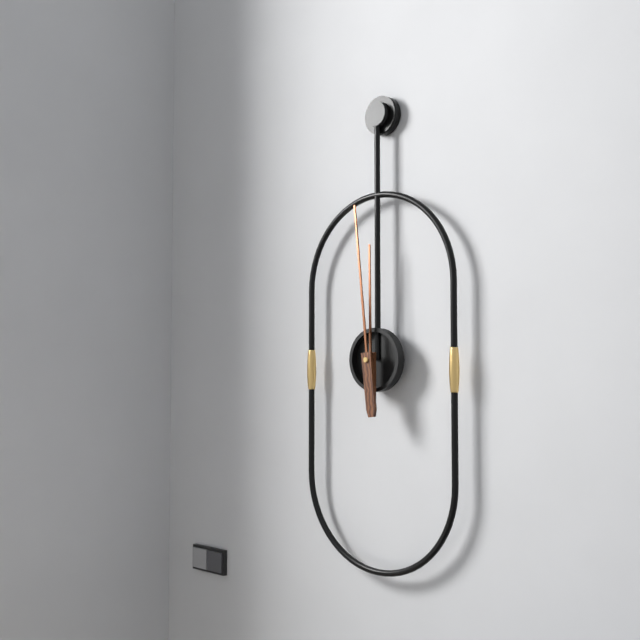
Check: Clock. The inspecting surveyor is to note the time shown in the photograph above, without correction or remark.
11:59
